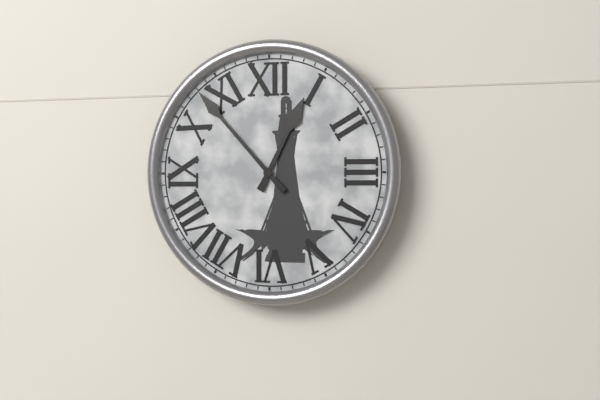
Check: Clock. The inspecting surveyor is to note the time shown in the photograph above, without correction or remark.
12:53
